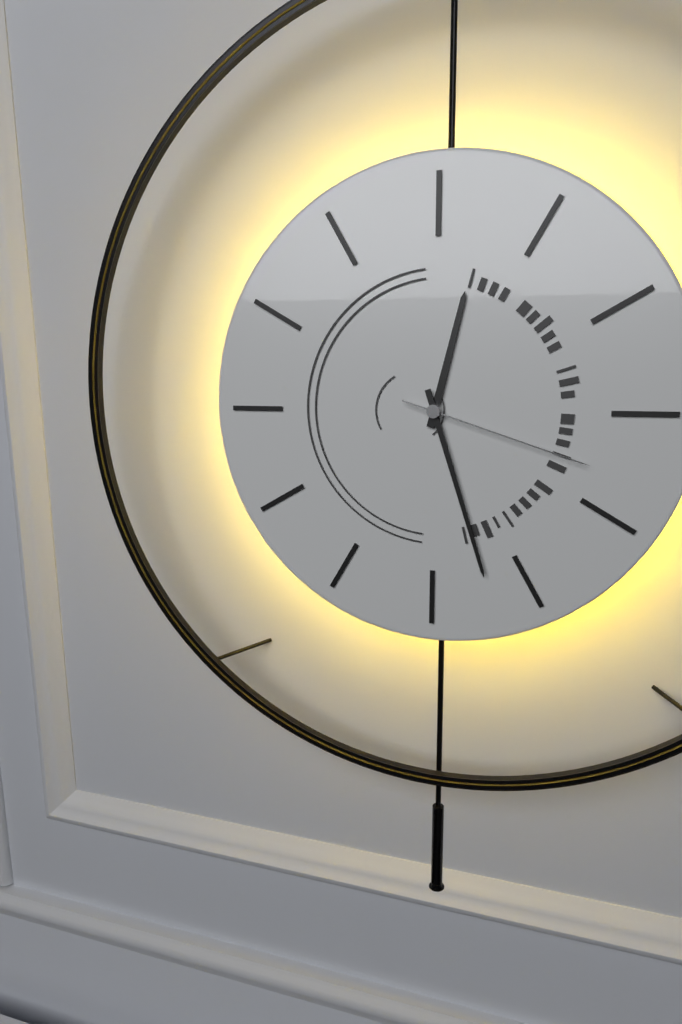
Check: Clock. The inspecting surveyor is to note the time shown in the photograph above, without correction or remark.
12:27:18
